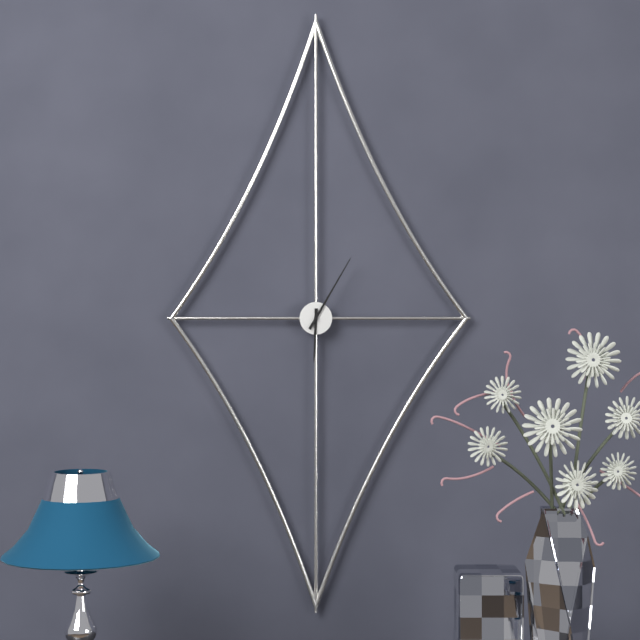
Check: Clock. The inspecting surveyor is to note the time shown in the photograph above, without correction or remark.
6:05
